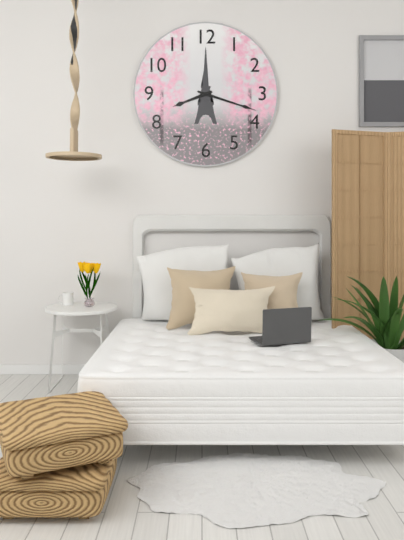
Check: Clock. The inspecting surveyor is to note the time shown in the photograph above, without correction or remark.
8:18
